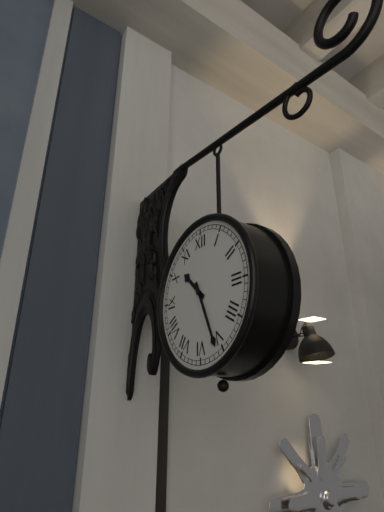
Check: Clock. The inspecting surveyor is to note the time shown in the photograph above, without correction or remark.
10:26
